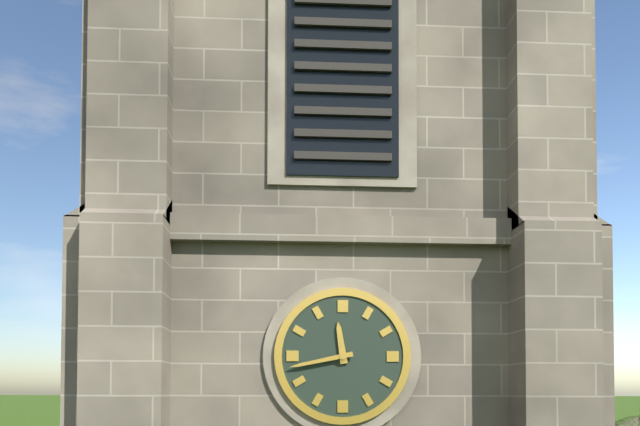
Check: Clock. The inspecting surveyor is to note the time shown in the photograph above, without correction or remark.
11:43
